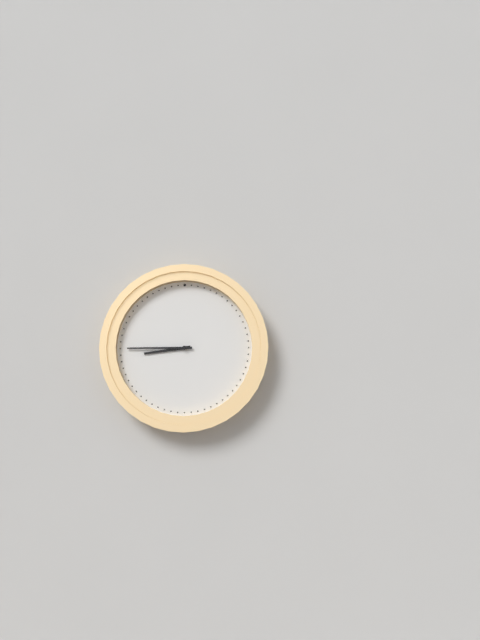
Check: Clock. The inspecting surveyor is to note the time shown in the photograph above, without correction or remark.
8:45
